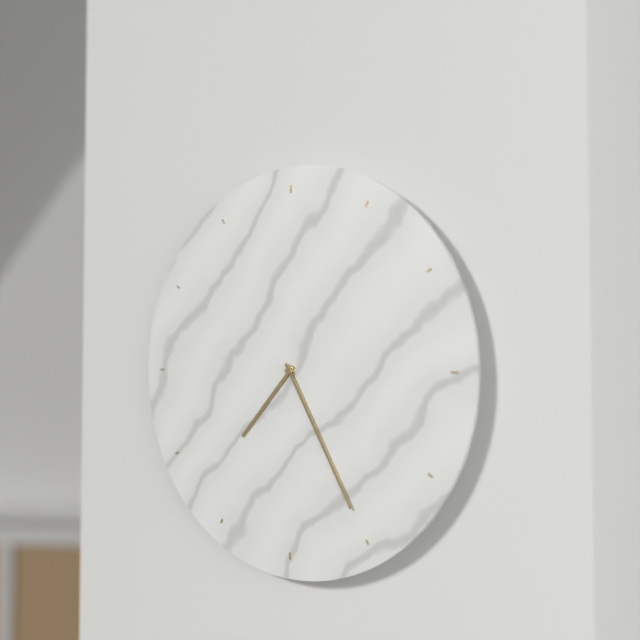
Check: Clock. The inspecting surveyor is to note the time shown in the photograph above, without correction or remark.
7:25
